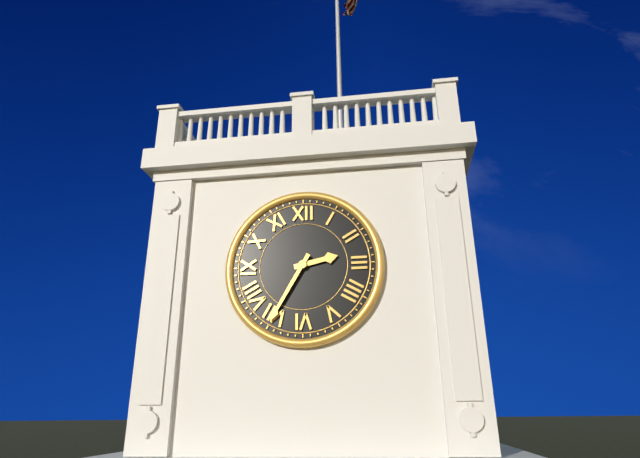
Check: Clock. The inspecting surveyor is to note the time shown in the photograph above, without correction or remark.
2:35
